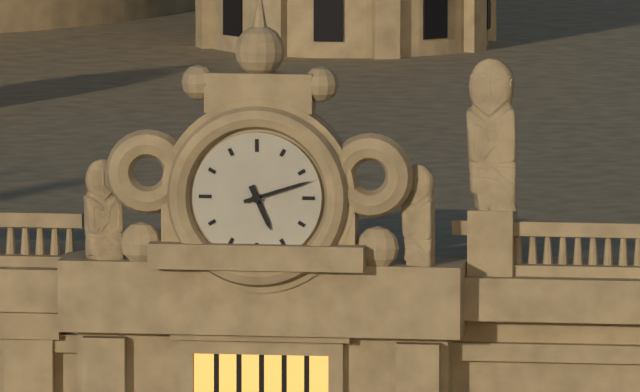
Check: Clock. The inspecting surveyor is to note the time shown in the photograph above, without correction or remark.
5:12
